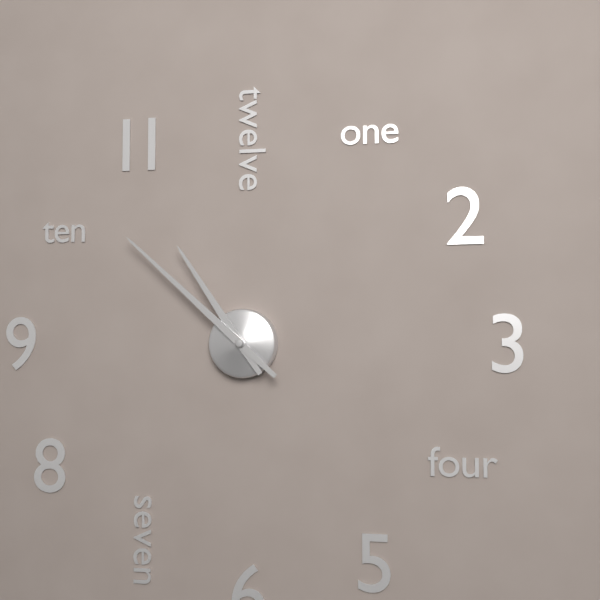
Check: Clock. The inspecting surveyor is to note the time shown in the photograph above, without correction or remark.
10:52
